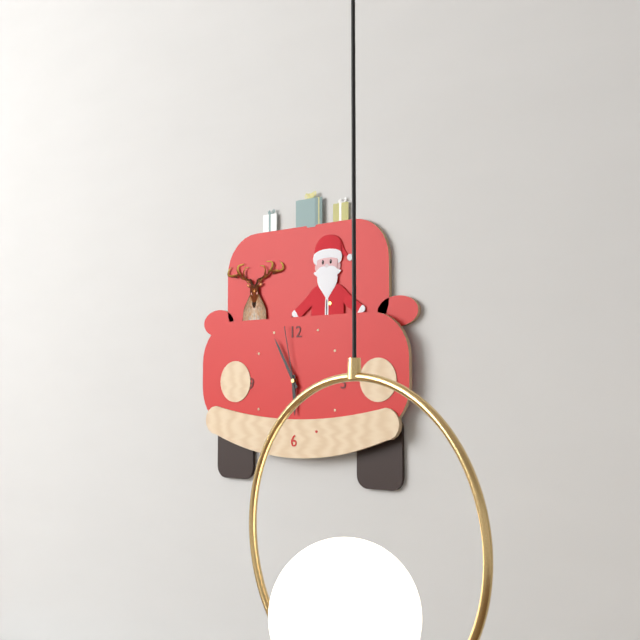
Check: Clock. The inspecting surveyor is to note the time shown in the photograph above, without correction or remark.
5:55:58
